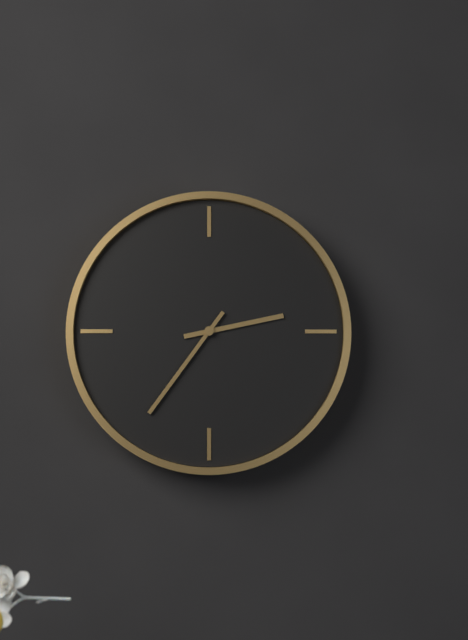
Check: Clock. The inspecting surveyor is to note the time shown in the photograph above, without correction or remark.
2:36
